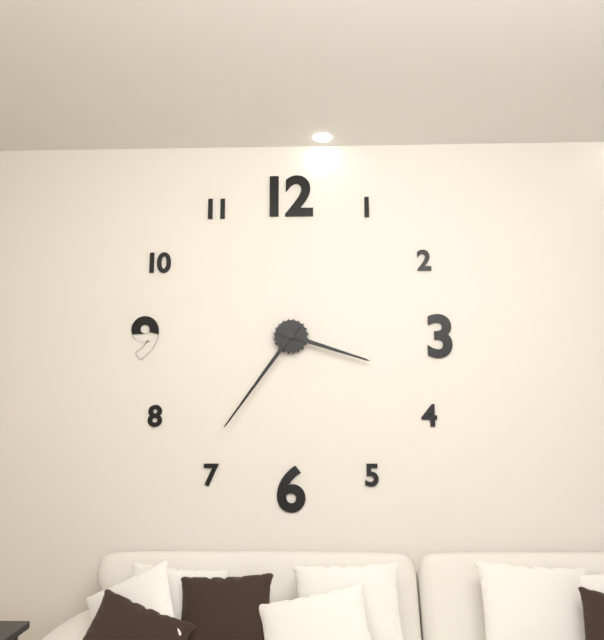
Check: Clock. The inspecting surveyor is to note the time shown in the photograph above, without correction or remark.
3:36
